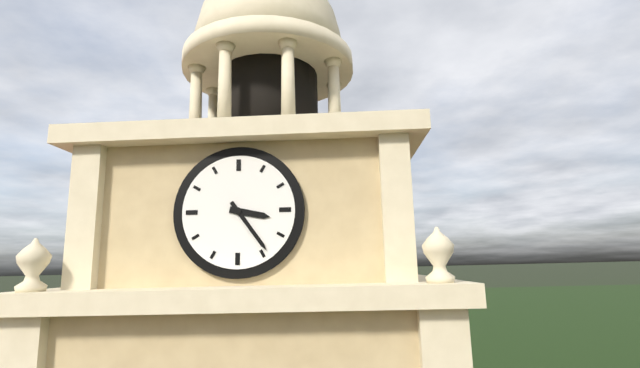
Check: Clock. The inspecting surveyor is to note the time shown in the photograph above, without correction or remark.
3:24
